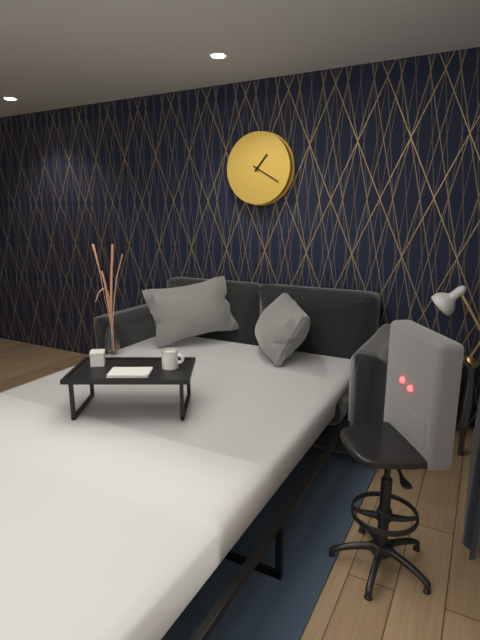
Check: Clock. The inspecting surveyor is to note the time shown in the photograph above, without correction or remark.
1:20
